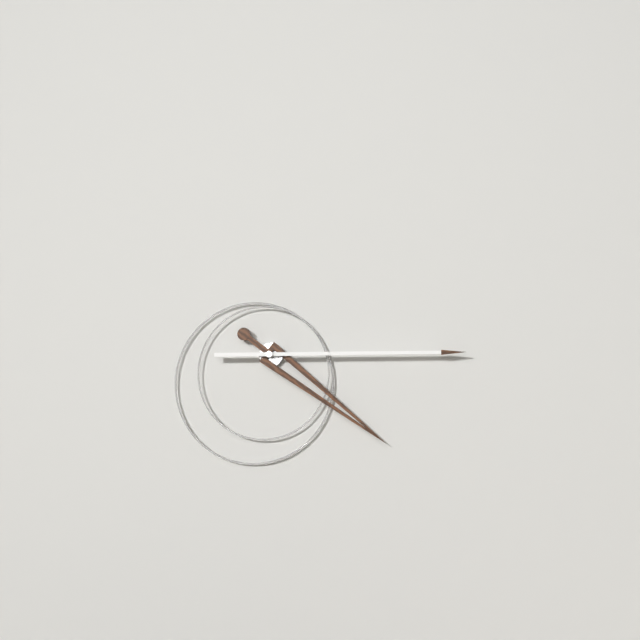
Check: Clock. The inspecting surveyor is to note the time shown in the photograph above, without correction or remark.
4:15
